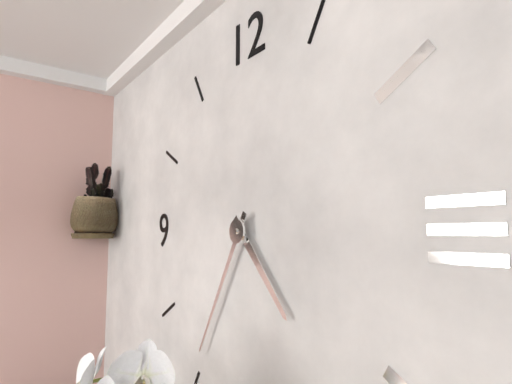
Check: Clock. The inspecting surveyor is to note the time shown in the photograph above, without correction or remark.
4:35
